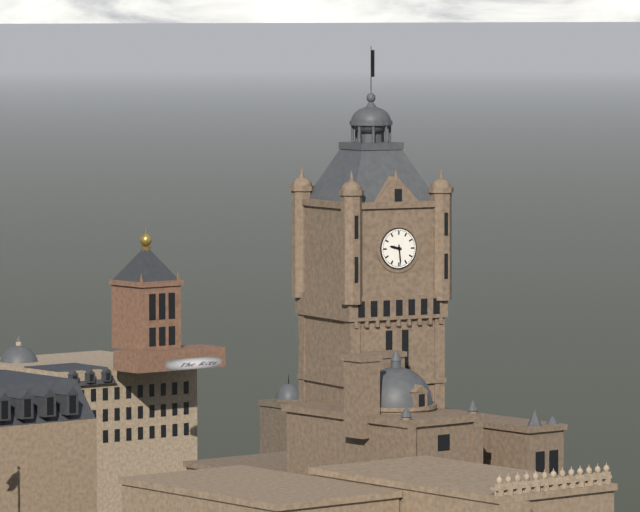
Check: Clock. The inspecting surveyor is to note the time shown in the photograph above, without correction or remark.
9:29
